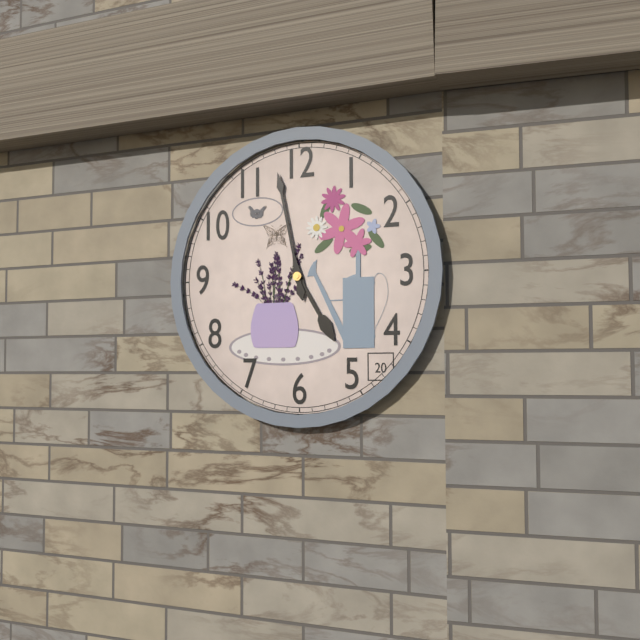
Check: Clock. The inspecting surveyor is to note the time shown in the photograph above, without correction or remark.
4:58
